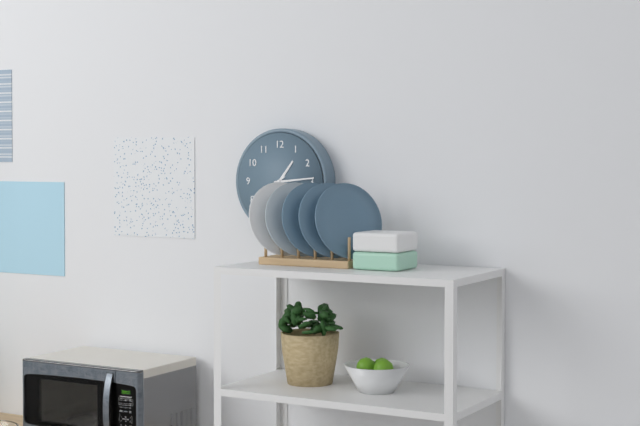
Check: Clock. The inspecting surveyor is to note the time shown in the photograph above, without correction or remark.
1:14
